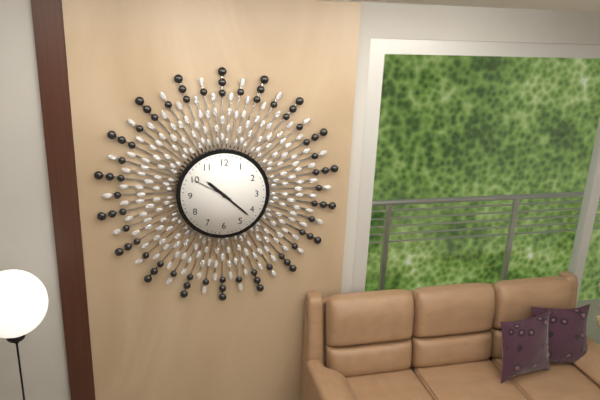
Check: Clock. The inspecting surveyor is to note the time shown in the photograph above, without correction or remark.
10:22
